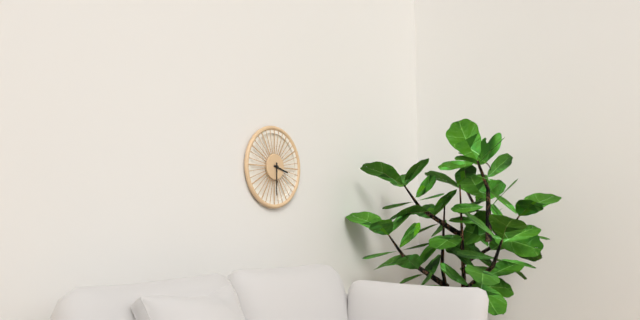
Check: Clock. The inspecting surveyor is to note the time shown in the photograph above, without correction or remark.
3:30
